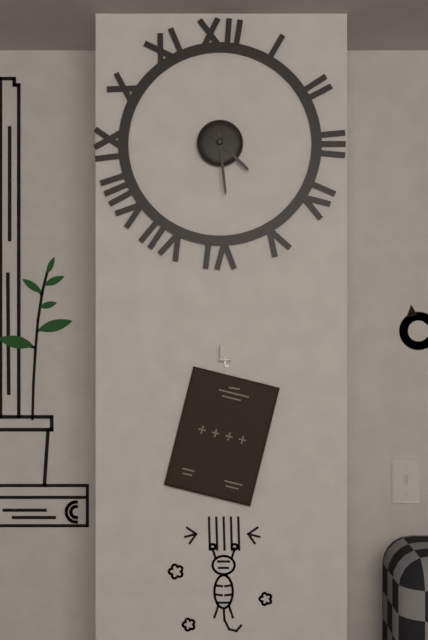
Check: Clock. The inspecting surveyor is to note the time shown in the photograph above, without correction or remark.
4:29
